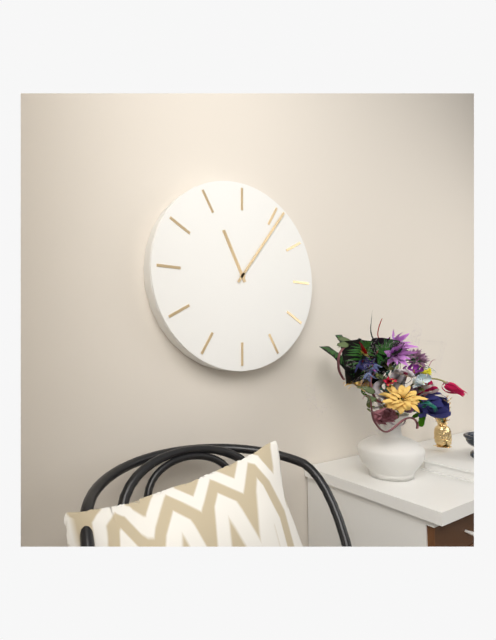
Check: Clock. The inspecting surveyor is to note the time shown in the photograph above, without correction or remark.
11:06
